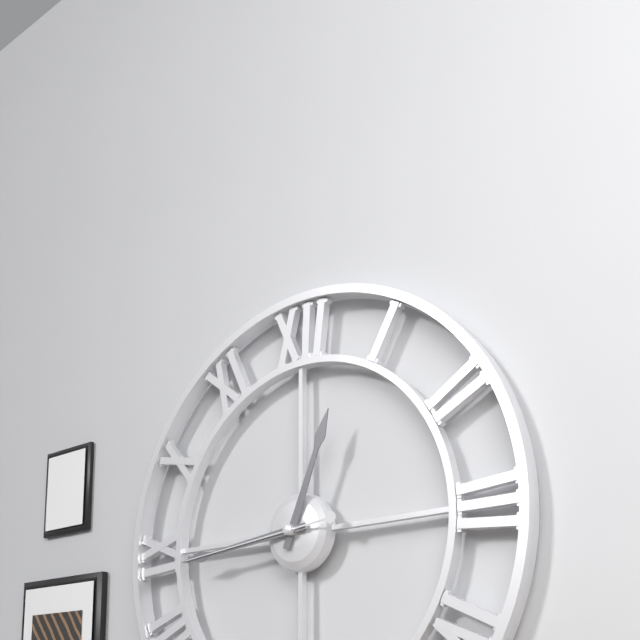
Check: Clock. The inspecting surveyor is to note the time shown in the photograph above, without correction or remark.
12:44:44
